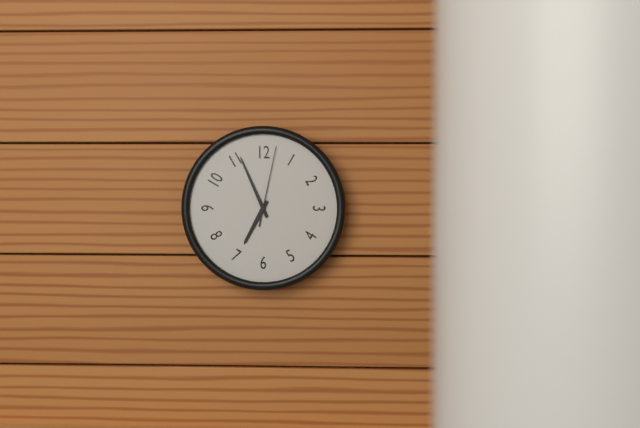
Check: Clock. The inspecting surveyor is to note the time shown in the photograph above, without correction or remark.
6:56:02
